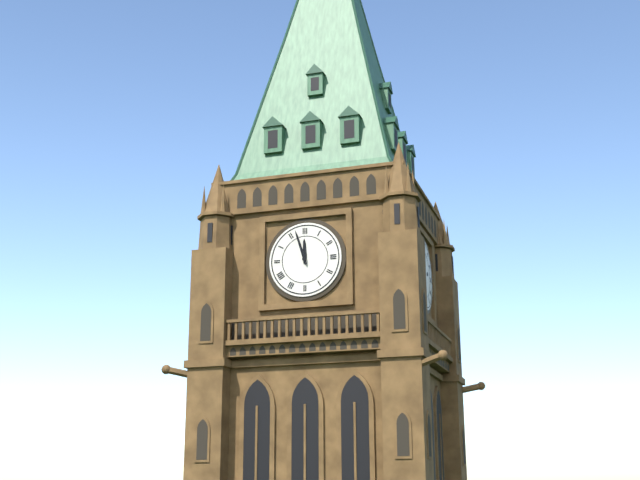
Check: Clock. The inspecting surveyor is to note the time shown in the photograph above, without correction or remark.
11:57
